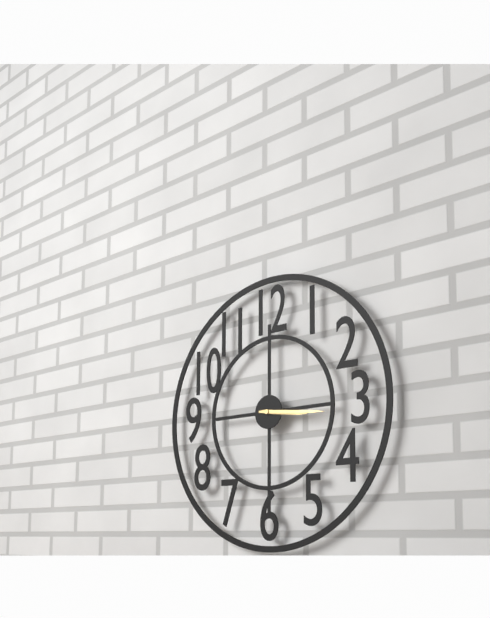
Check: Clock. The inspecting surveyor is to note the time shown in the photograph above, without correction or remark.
3:16
